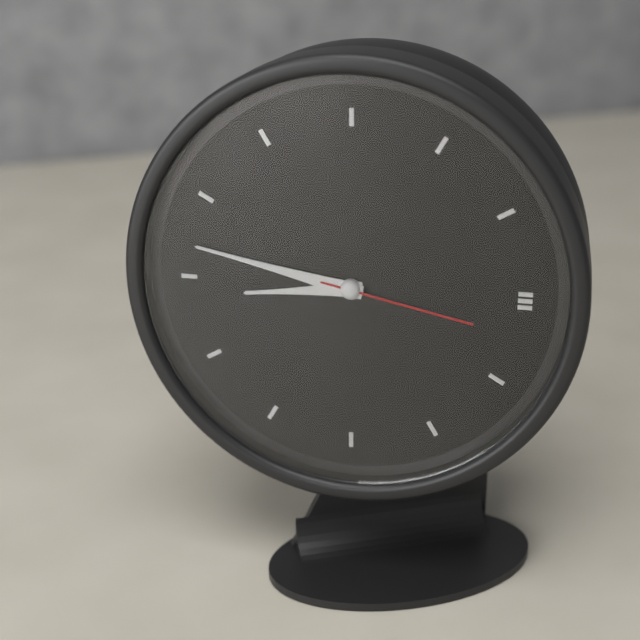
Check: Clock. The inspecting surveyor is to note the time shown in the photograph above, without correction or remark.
8:47:17
